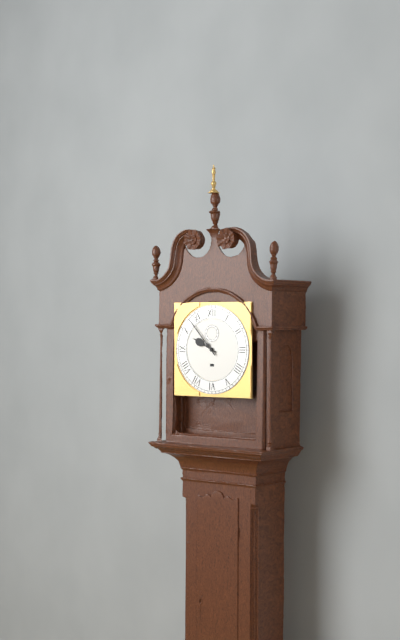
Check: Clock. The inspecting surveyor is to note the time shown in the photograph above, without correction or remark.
9:53
